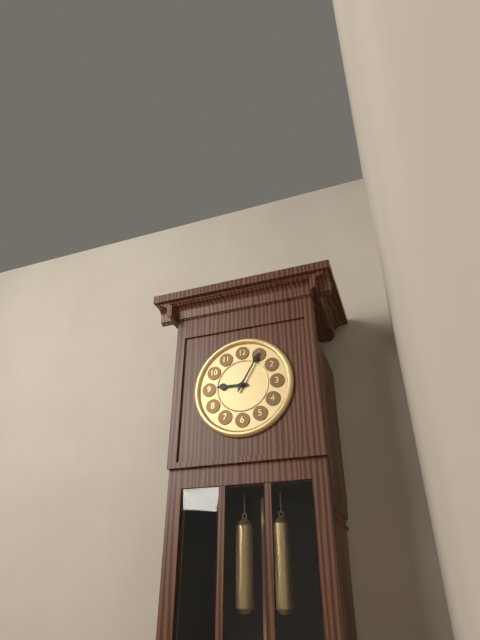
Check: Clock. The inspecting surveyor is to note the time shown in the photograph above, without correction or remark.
9:05
